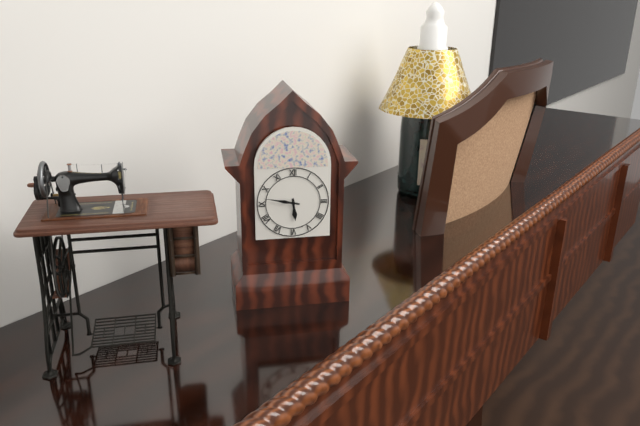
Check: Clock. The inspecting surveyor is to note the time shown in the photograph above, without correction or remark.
5:47
